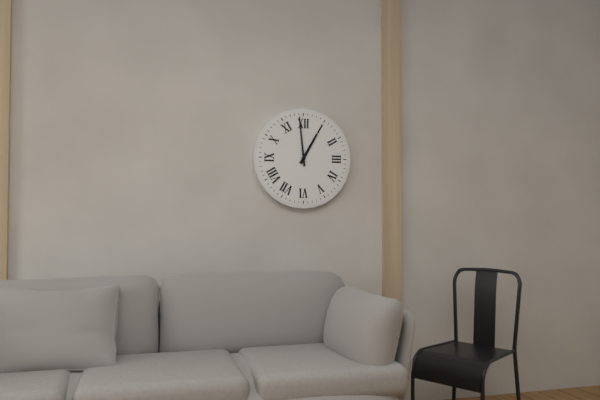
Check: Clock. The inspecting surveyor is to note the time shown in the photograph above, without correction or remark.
12:59
